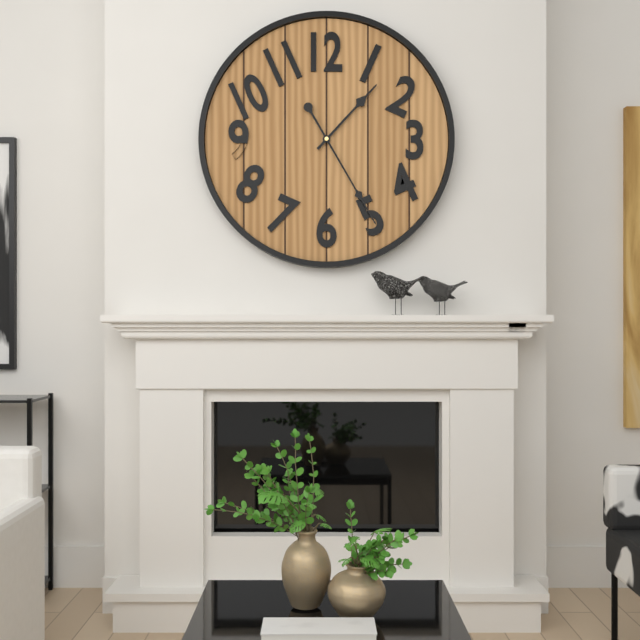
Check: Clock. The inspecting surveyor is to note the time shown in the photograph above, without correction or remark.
1:25
